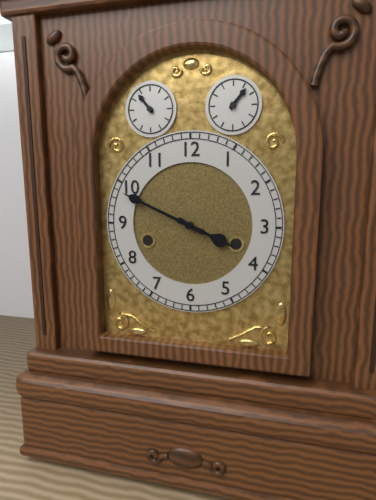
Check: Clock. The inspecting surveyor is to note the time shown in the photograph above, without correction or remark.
3:49
